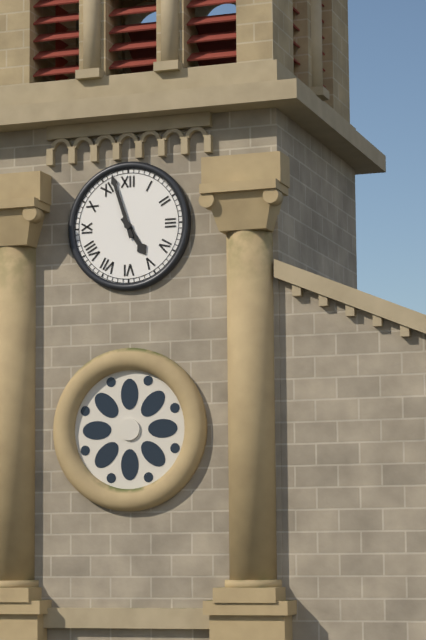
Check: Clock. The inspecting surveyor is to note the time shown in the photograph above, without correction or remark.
4:57
